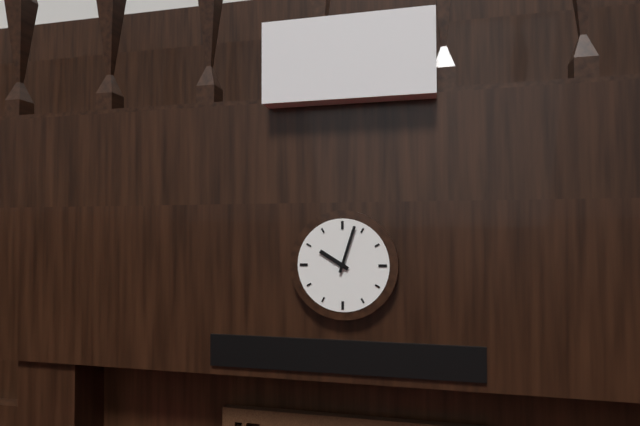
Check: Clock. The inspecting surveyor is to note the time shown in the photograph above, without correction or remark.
10:03
